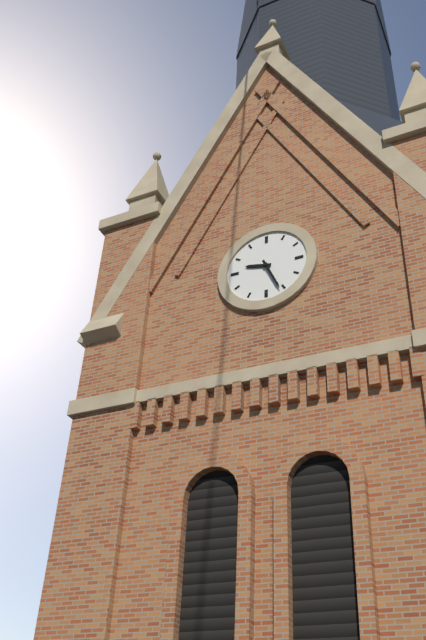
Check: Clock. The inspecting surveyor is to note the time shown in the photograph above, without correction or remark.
9:26
